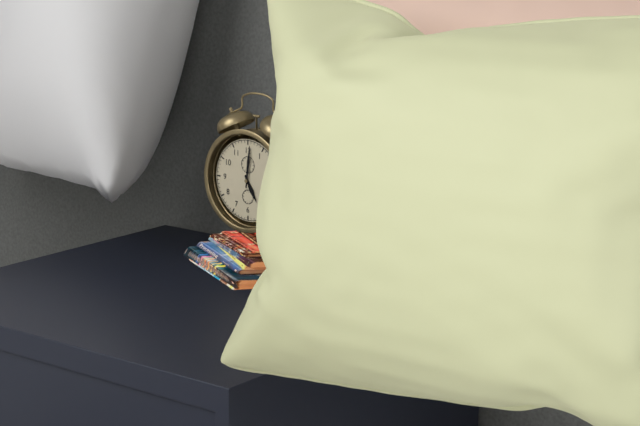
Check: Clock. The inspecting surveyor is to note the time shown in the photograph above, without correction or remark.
5:01
